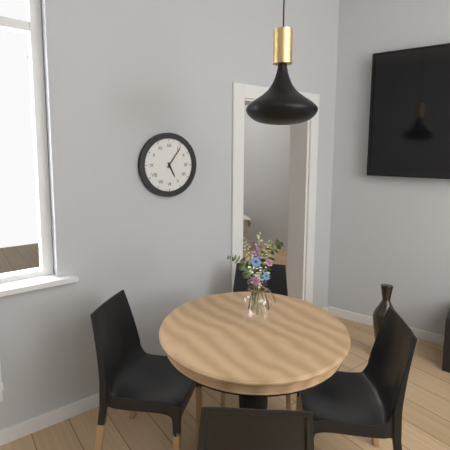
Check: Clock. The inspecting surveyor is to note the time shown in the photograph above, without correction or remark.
5:06
